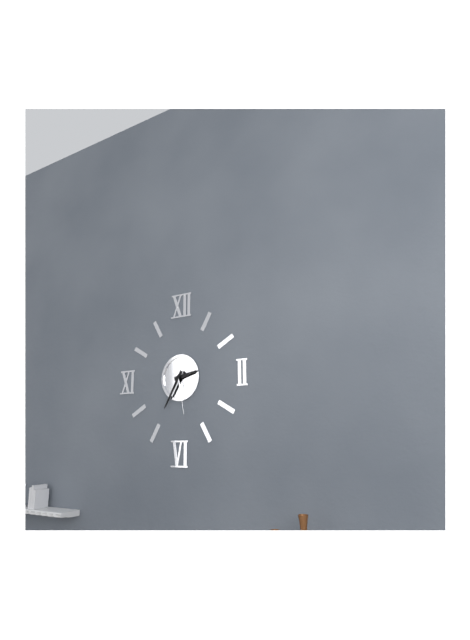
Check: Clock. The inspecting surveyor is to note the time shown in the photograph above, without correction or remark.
2:35
